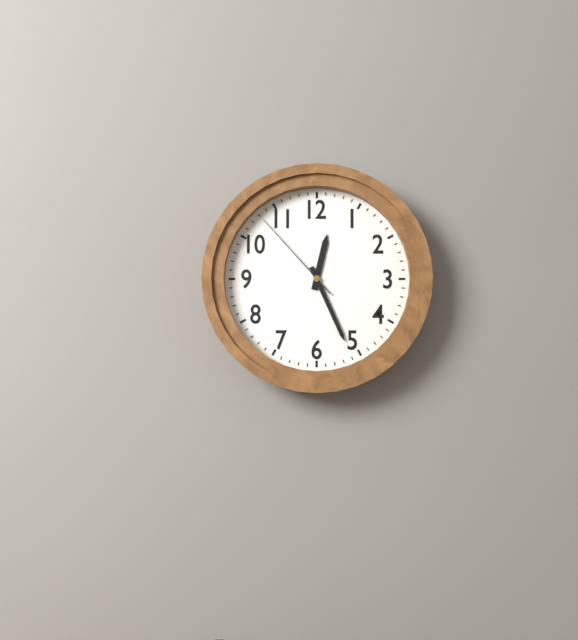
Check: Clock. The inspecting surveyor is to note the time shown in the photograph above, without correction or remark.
12:26:53
